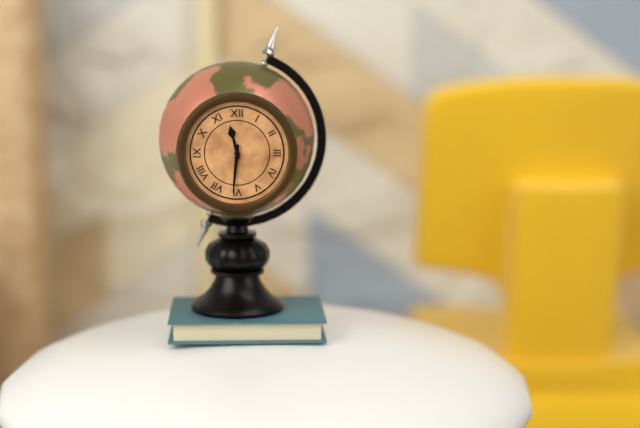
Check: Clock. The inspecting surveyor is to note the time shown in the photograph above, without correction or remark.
11:31
